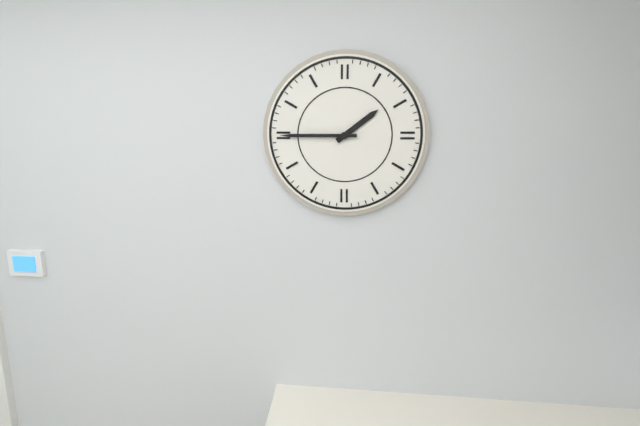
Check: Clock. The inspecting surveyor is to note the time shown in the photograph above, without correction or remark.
1:45
